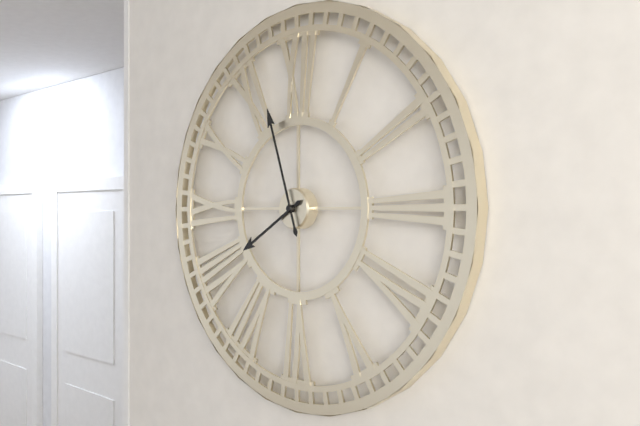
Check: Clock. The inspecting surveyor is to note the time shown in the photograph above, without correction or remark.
7:57
